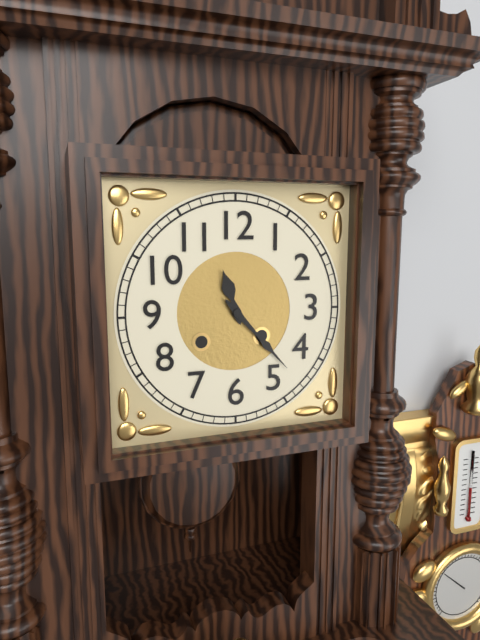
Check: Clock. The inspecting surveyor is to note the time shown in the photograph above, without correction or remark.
11:23
